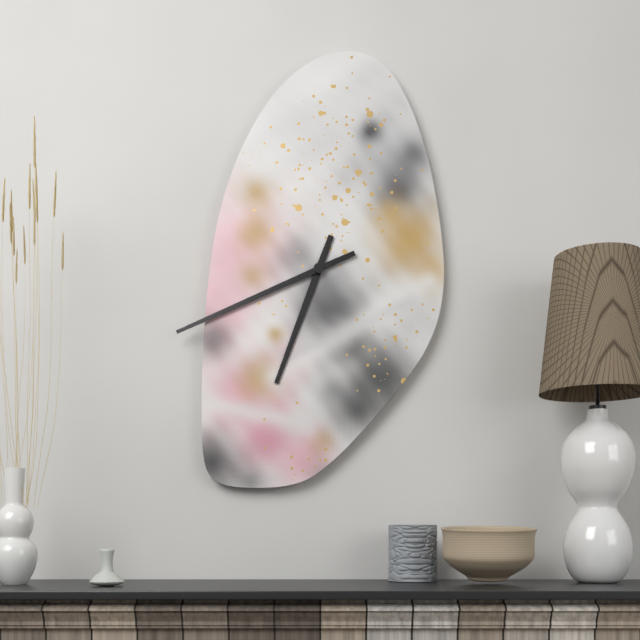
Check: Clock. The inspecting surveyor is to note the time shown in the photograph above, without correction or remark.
6:41
